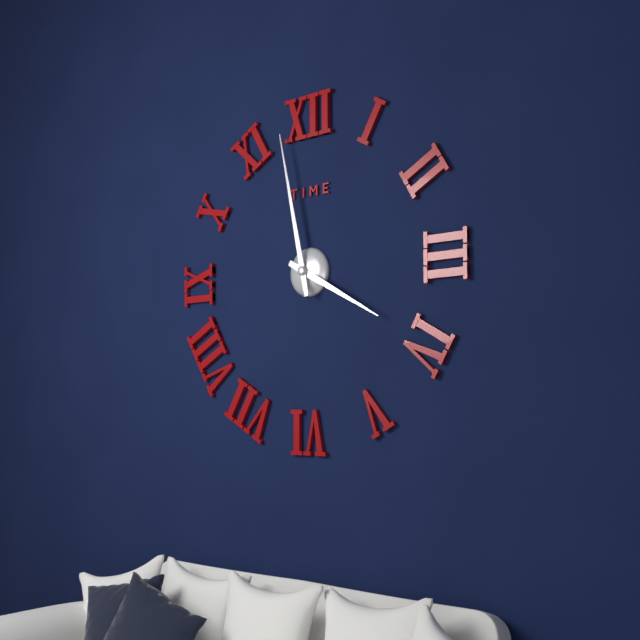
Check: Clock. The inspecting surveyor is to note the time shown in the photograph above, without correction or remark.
3:58
